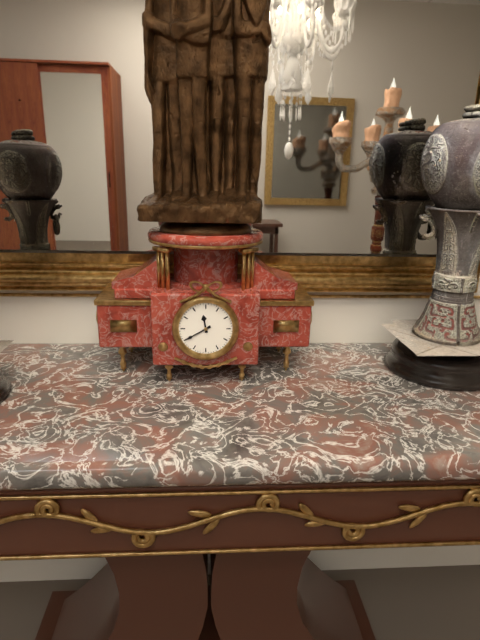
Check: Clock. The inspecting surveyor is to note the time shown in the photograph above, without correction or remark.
11:40
